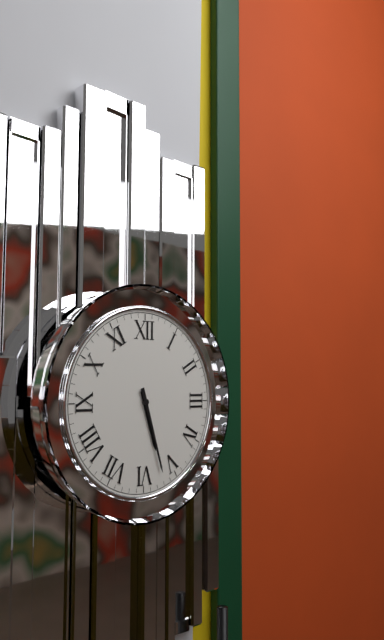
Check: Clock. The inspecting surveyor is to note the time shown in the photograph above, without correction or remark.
5:27
